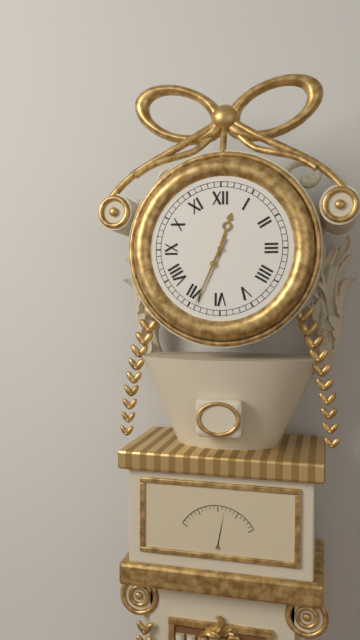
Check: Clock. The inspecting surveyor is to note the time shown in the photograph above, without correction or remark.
12:34
